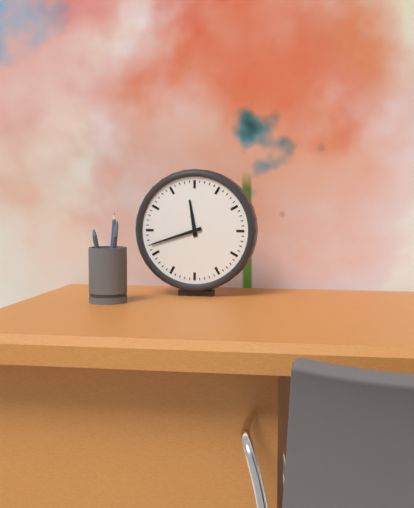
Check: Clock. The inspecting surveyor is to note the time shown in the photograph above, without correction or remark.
11:42
